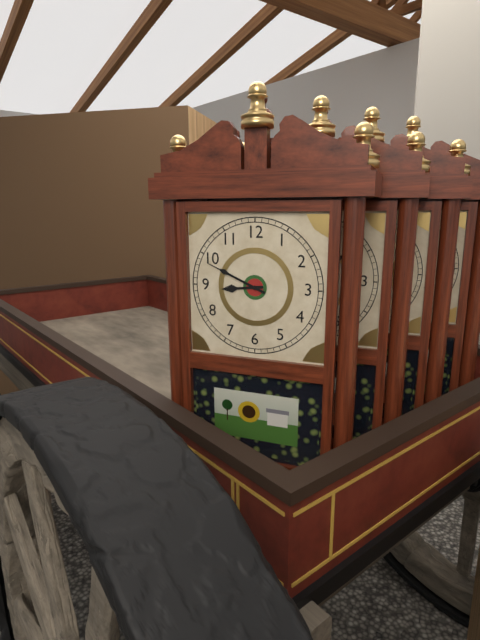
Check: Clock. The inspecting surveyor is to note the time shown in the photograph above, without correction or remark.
8:49
